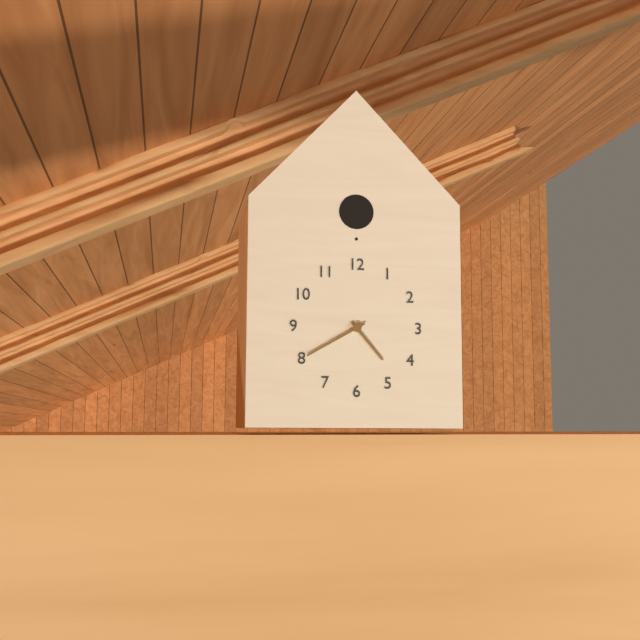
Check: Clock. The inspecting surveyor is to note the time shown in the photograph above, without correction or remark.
4:40
